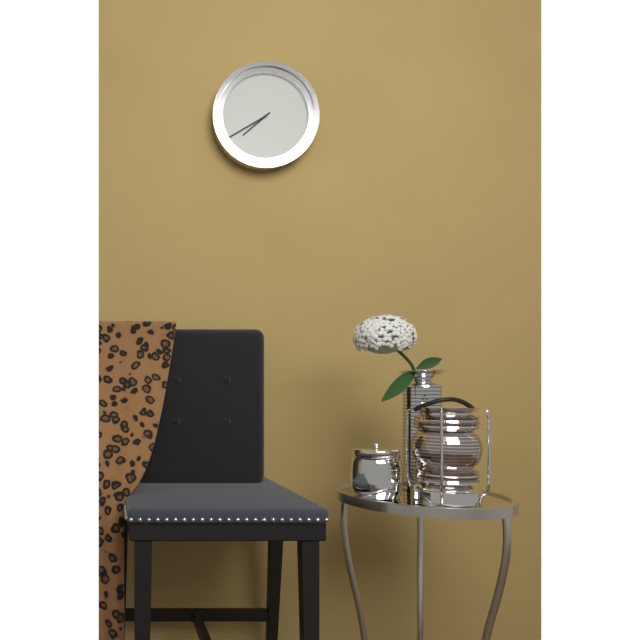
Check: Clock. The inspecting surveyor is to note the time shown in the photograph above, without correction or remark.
7:40
